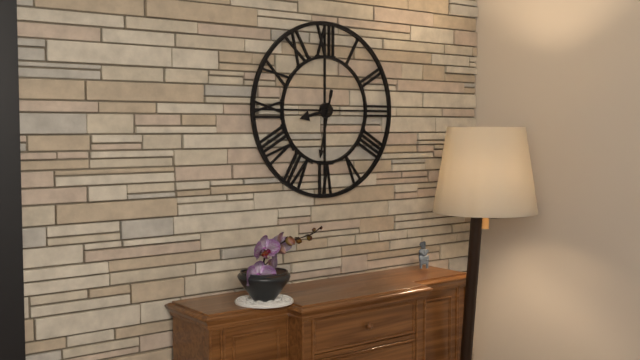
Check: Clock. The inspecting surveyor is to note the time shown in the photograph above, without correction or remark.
8:32
